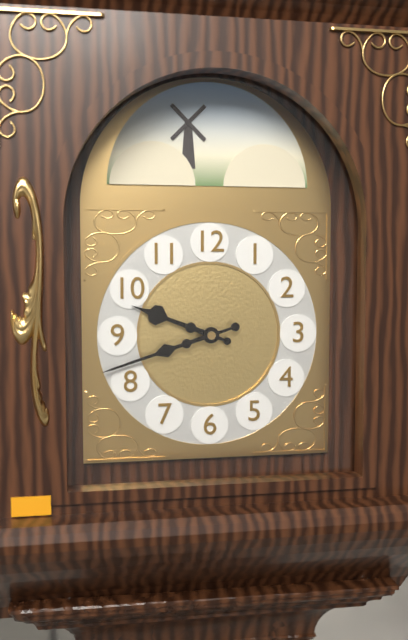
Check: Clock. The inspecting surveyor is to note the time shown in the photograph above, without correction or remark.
9:42
